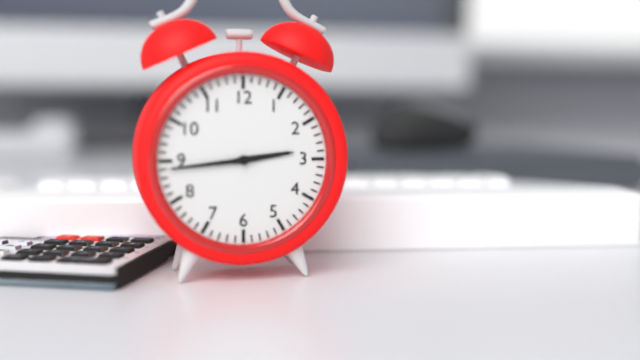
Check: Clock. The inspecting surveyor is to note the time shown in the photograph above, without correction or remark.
2:44
